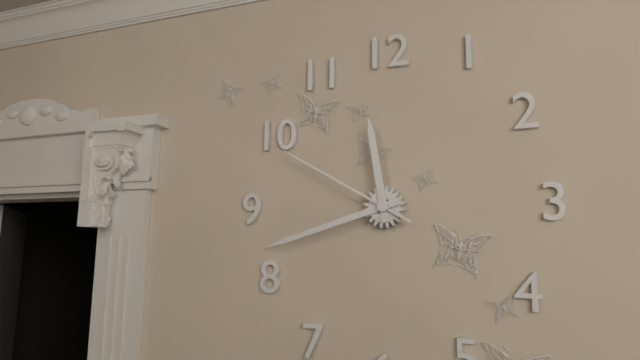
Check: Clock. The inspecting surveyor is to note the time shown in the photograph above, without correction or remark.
11:42:50
